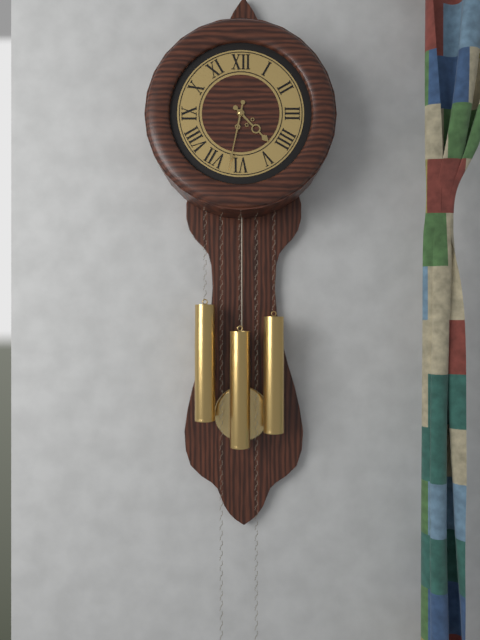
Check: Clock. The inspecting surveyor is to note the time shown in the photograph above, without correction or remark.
4:32
